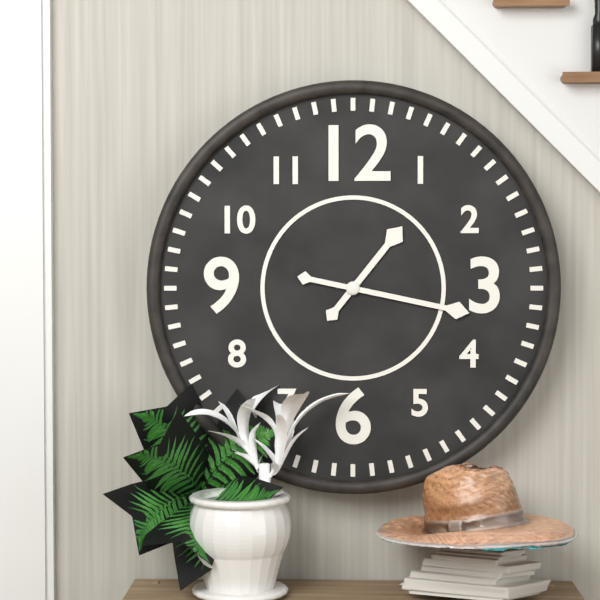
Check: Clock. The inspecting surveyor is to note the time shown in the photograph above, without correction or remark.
1:17
